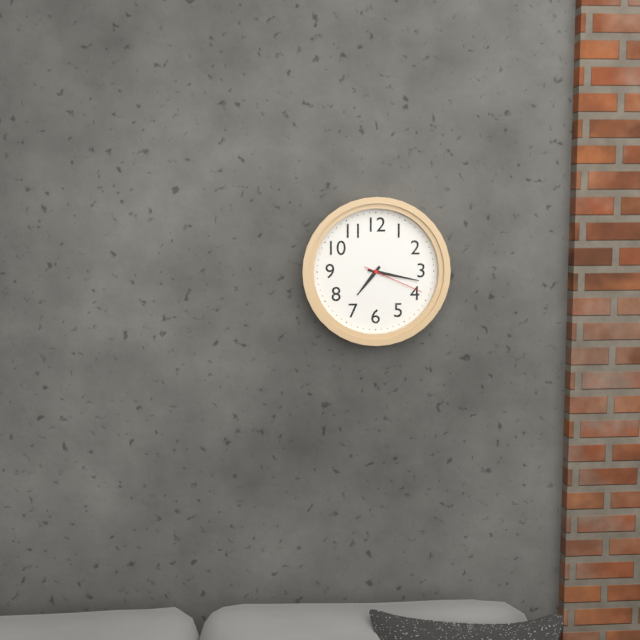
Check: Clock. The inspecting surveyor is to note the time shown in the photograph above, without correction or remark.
7:17:19
